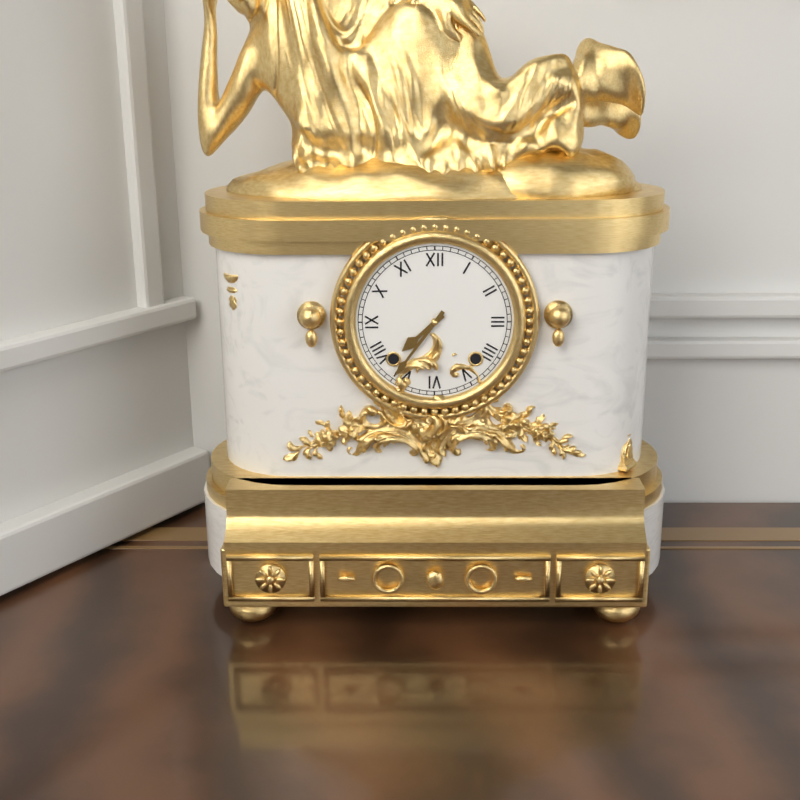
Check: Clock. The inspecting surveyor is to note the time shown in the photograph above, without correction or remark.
7:36
